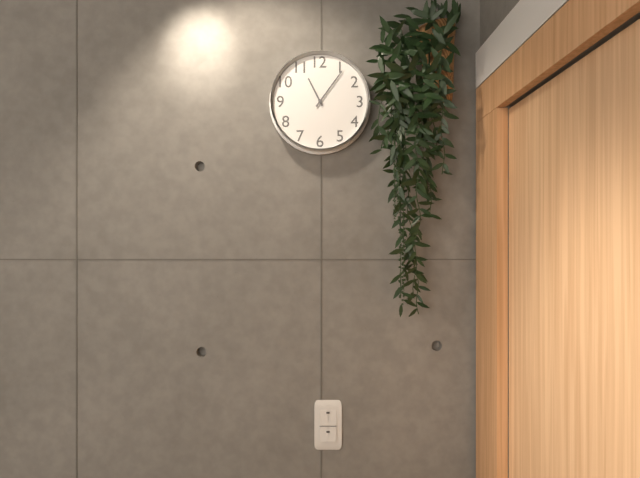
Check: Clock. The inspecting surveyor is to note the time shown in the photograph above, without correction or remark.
11:06
